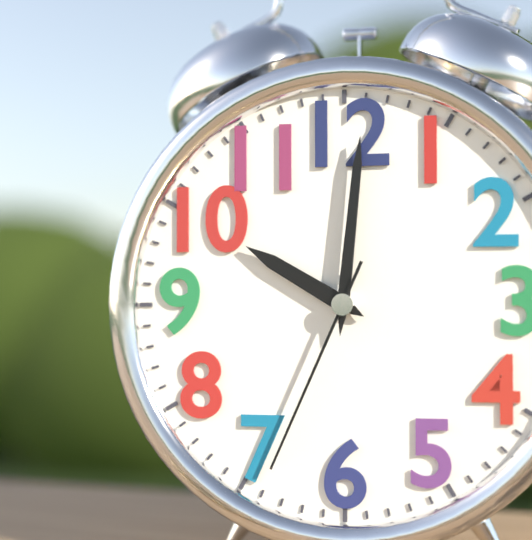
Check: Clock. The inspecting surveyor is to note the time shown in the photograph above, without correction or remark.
10:01:34
